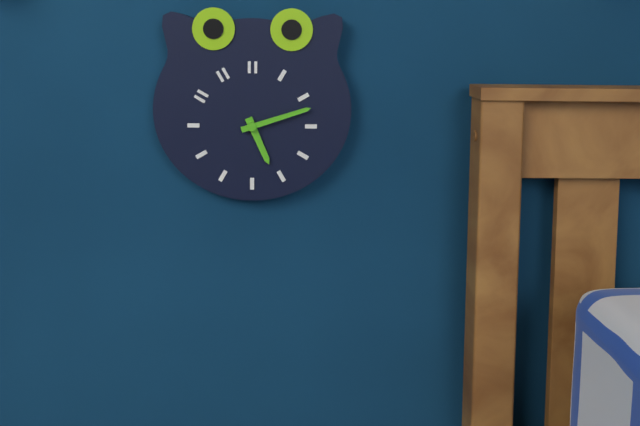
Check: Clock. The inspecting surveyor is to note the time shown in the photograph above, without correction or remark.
5:12
